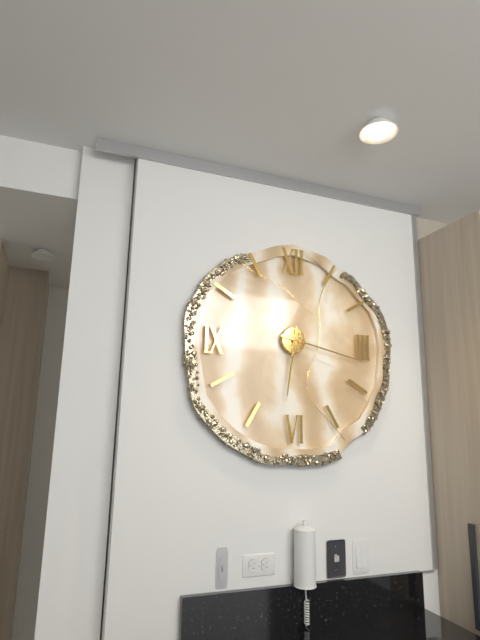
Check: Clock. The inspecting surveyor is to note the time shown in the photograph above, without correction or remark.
6:17
